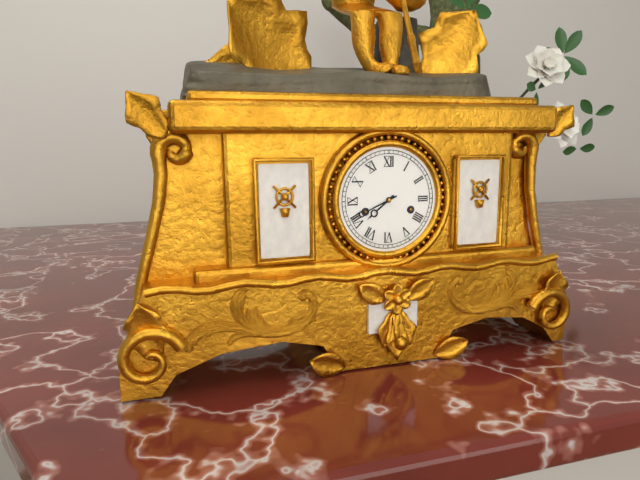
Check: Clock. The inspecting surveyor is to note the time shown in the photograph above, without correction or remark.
7:41
